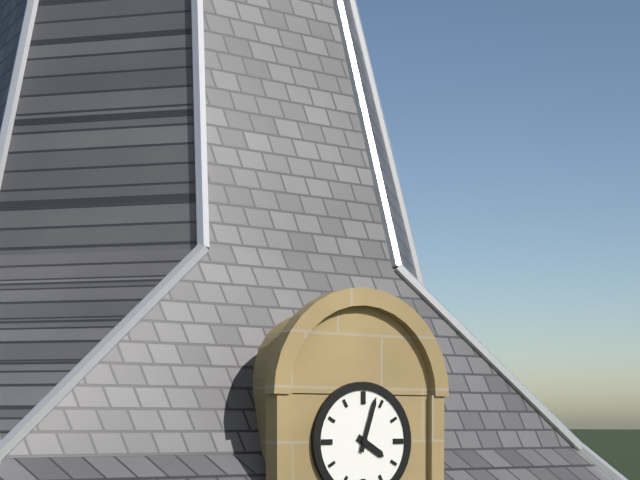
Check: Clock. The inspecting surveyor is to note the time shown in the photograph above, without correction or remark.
4:03
